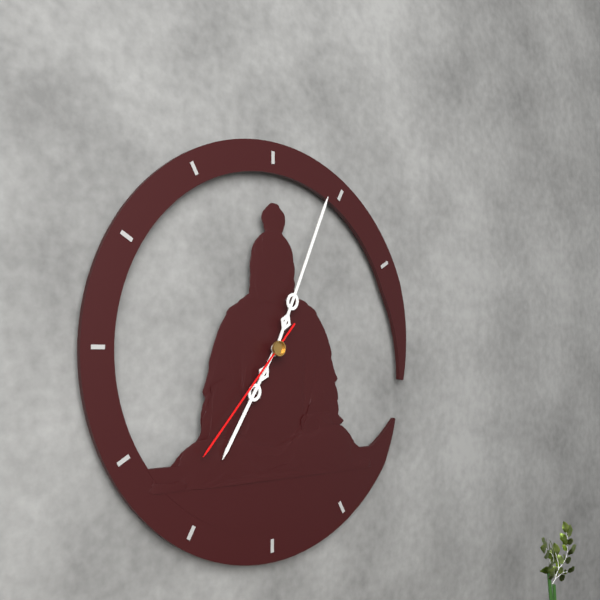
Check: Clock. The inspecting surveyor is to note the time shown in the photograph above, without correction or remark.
7:04:37
